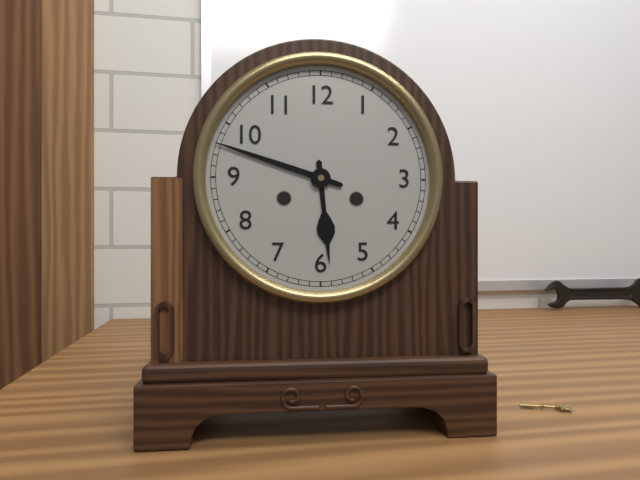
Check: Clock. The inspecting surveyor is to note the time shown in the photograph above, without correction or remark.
5:48
